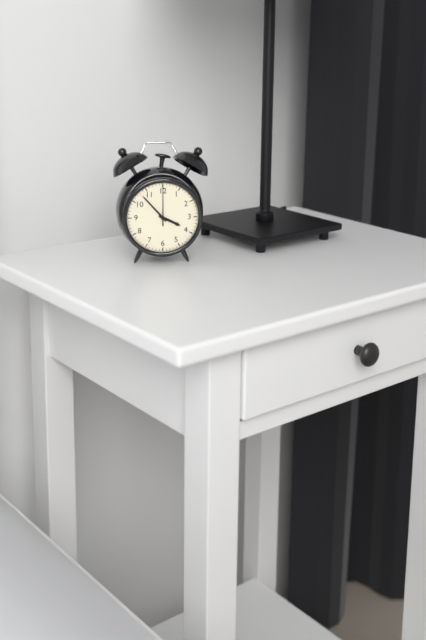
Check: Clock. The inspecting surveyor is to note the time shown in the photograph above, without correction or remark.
3:53
